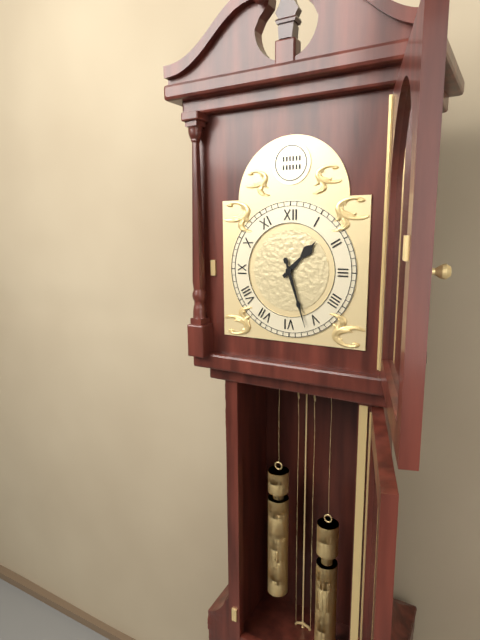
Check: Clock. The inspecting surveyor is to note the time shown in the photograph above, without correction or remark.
1:27
